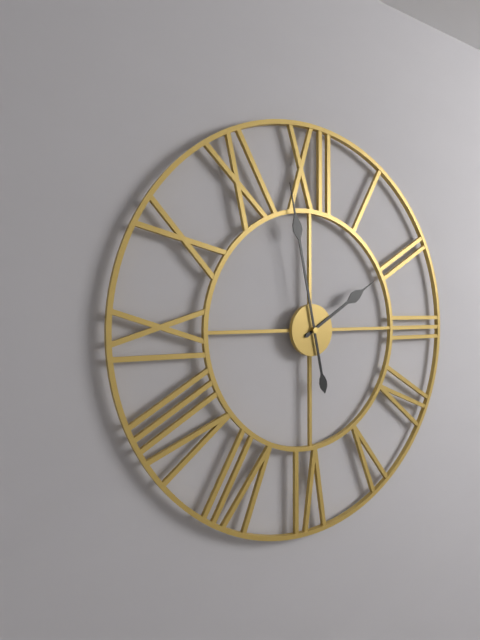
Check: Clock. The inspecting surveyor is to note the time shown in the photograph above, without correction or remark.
1:58
